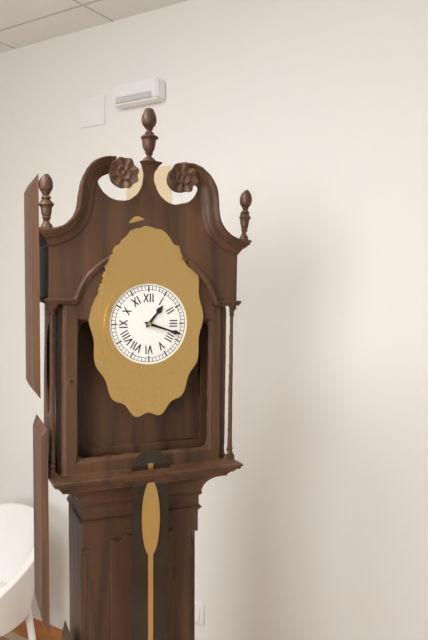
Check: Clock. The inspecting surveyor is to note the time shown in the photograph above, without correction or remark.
1:18
